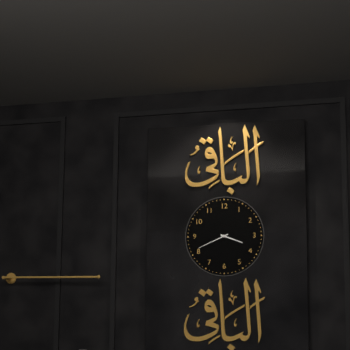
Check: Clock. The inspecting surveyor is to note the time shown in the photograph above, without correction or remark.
3:41
